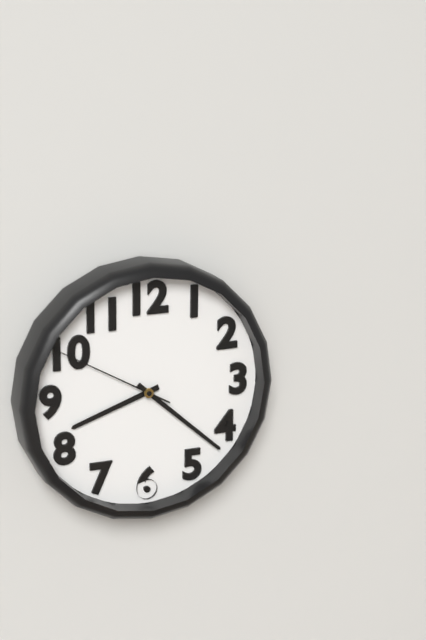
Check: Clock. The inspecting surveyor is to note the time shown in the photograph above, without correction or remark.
8:22:50
